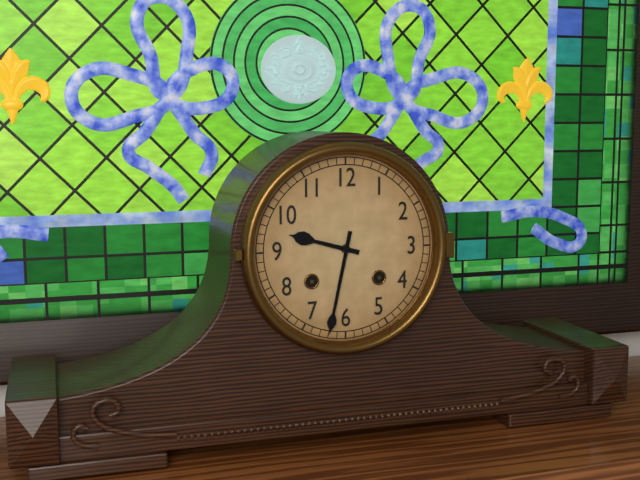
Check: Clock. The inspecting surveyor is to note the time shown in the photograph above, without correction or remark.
9:32
